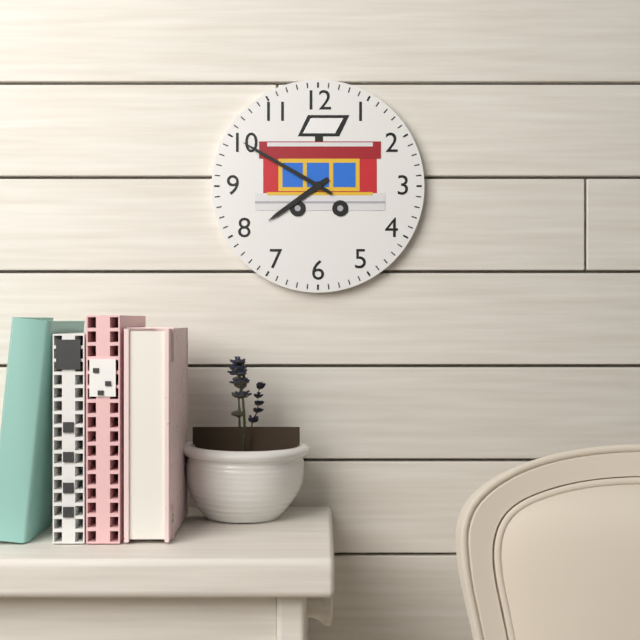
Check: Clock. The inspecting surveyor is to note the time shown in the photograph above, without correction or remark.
7:50
